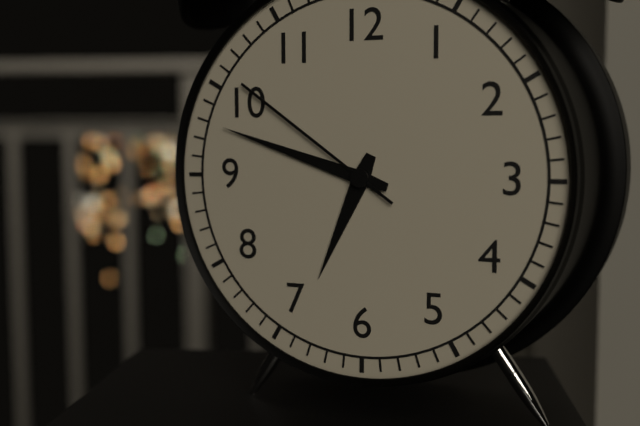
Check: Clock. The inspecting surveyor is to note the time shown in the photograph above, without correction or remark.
6:48:51
